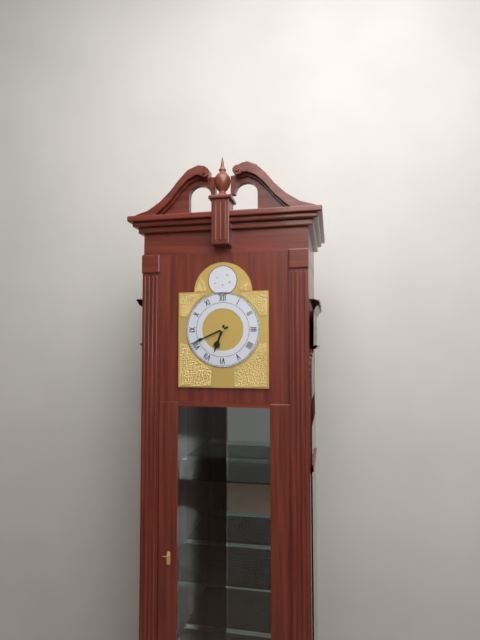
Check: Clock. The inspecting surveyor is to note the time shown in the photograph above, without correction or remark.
6:41
